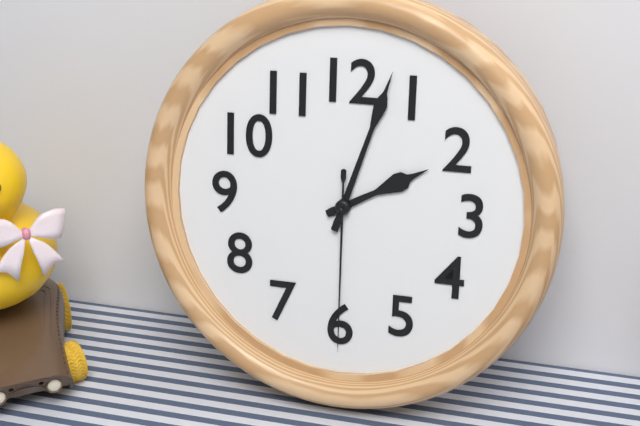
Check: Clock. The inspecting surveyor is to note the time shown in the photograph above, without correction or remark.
2:03:30
